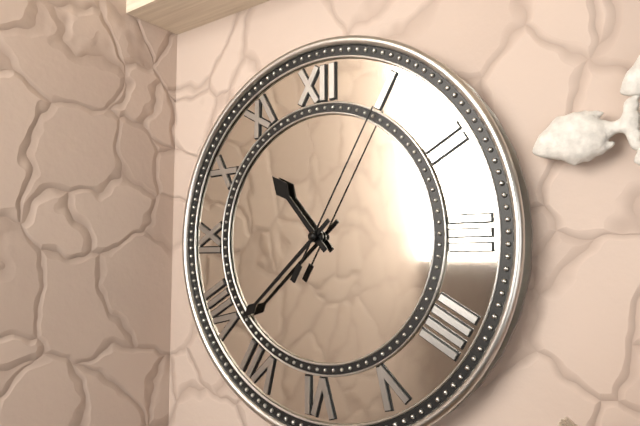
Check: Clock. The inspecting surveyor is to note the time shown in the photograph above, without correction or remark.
10:38:05
